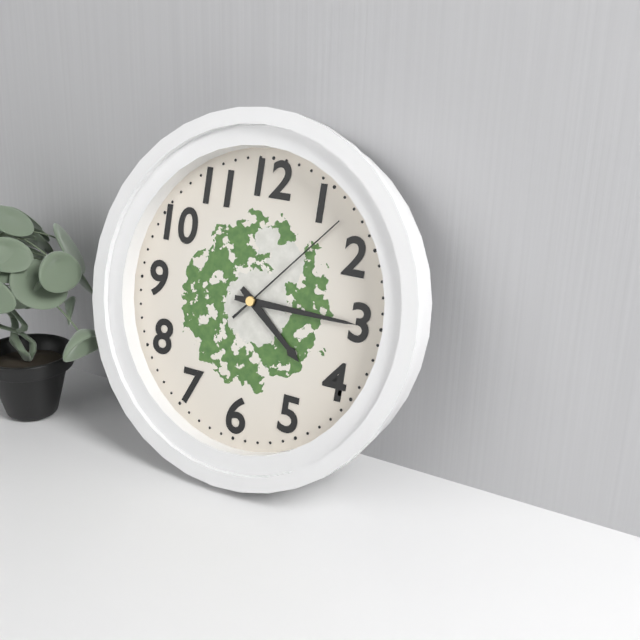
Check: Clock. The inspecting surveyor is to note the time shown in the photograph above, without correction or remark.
4:15:07
